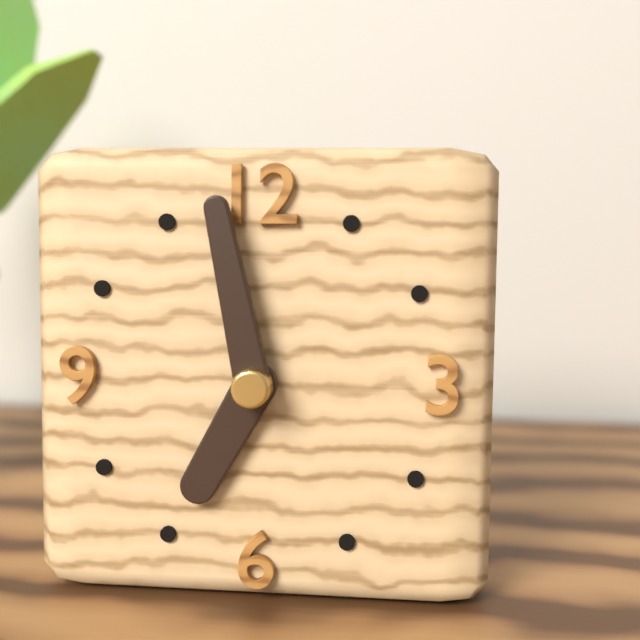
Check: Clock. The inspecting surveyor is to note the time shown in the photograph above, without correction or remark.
6:58
